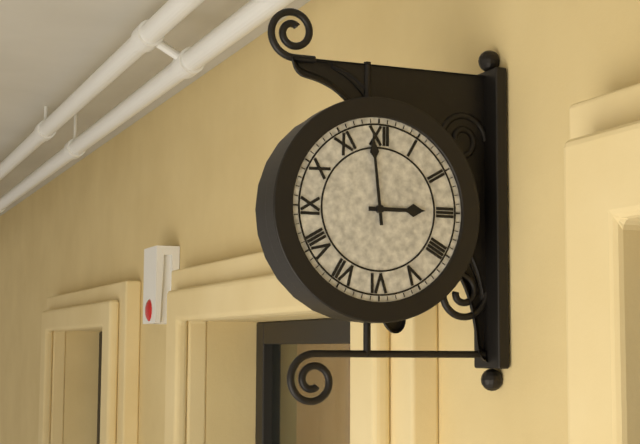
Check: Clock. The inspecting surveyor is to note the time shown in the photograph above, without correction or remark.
2:59
